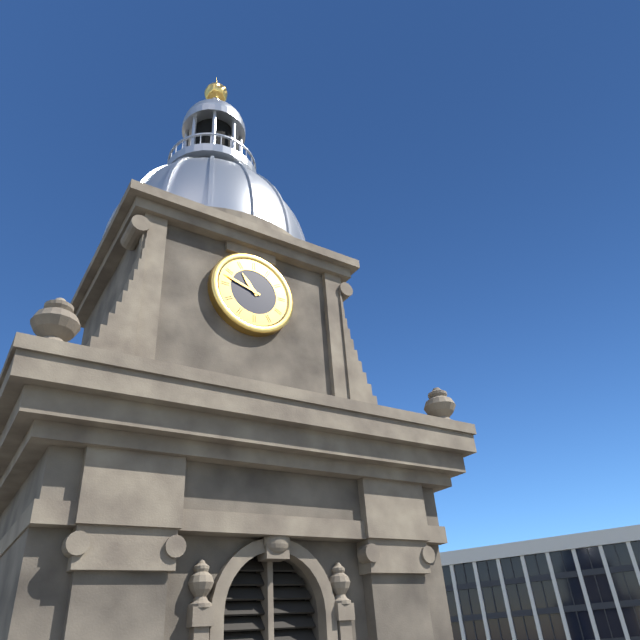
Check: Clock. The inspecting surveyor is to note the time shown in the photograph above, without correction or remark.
10:48
